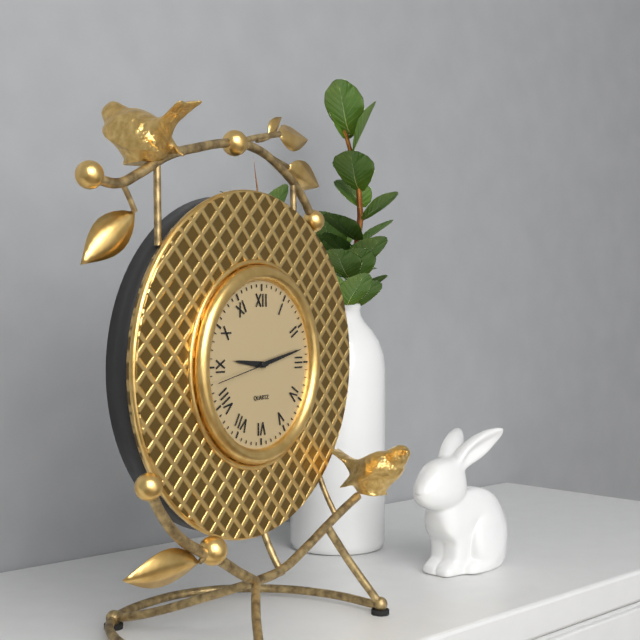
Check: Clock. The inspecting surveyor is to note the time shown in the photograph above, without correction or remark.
9:13
